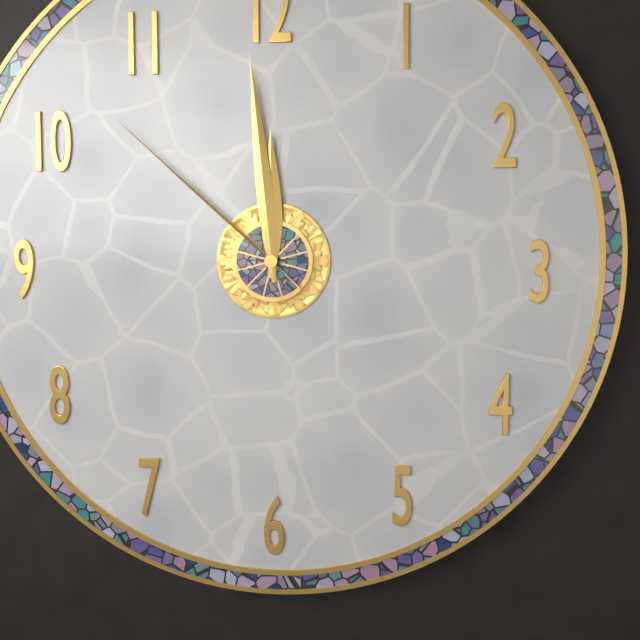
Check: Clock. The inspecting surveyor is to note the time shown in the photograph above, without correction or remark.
11:59:52
